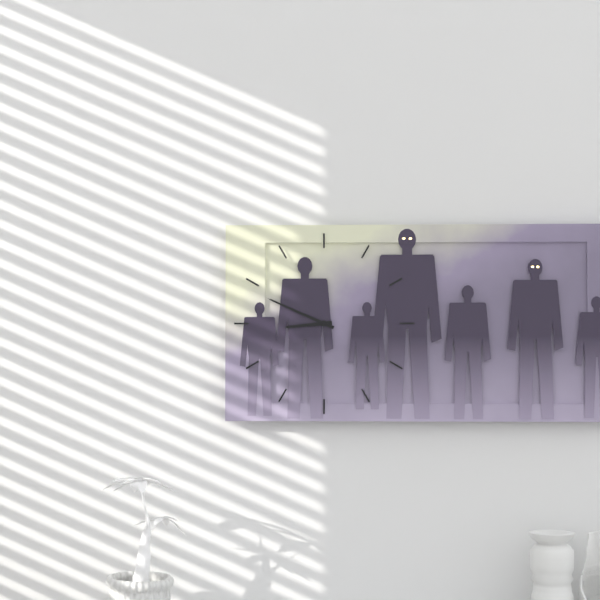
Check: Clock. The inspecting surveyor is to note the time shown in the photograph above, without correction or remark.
8:49
